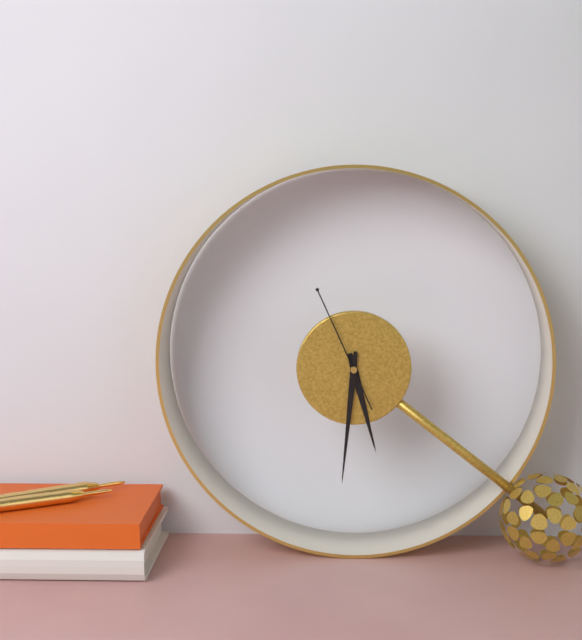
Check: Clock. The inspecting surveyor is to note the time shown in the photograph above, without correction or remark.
5:31:56
